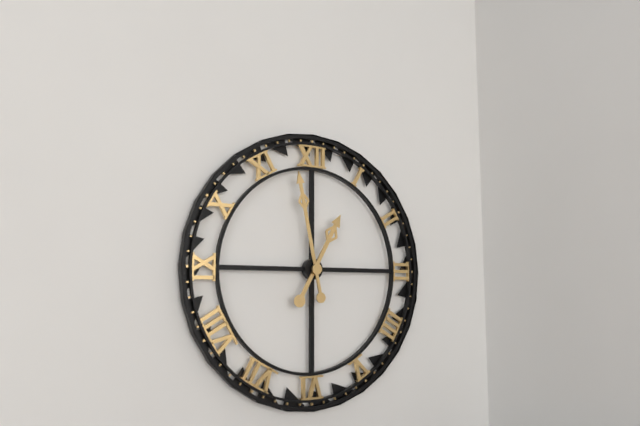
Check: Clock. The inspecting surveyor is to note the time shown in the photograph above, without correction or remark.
12:58
